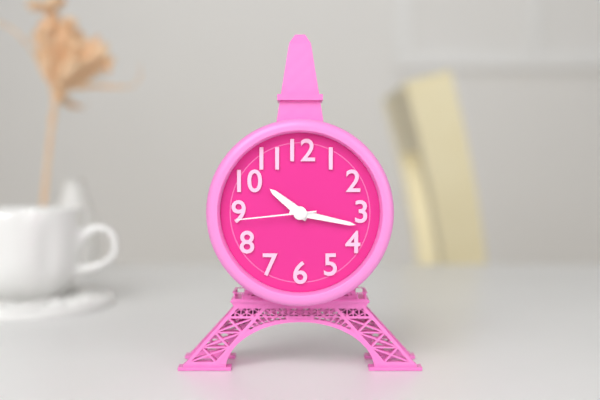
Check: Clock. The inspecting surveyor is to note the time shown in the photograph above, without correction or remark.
10:17:44
